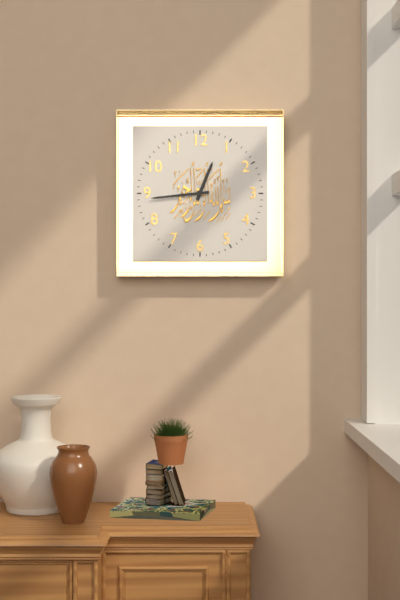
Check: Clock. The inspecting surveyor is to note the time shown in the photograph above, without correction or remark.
12:44
